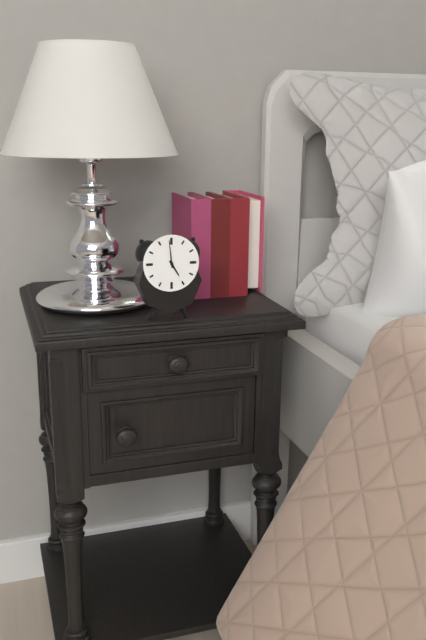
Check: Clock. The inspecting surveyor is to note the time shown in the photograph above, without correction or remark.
4:59
